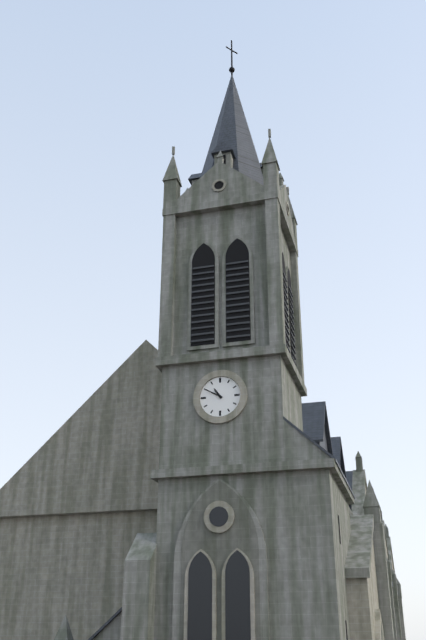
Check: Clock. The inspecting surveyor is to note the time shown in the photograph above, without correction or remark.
10:50
